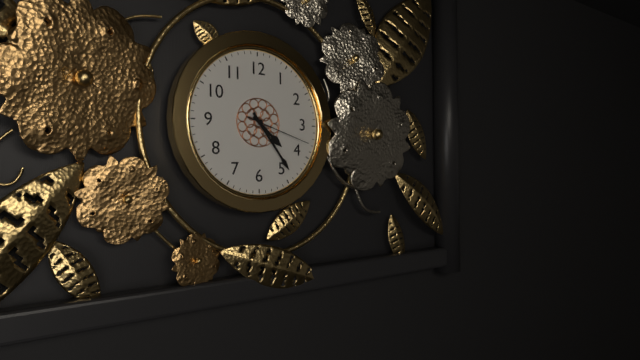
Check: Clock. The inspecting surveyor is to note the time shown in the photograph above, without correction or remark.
4:24:18
